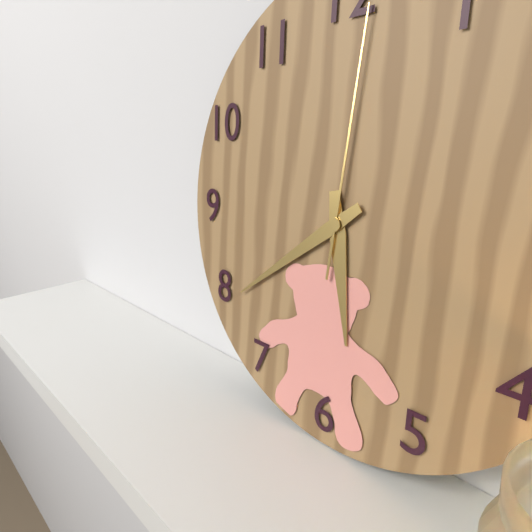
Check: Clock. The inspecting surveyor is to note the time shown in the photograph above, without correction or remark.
5:39:01
